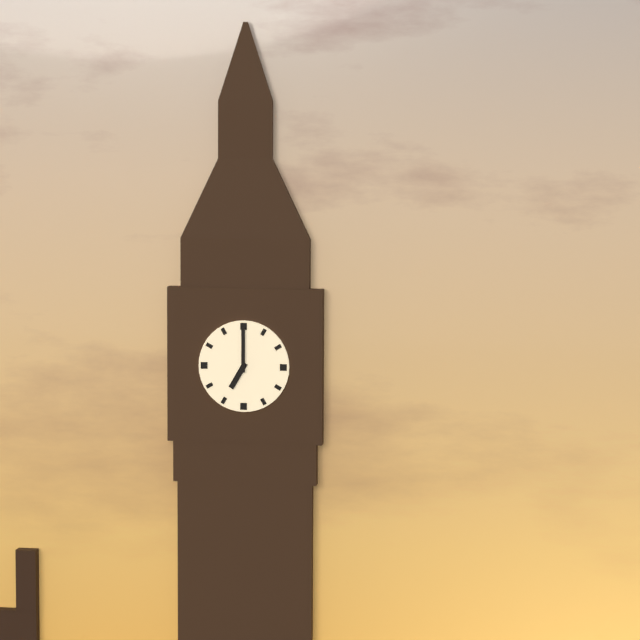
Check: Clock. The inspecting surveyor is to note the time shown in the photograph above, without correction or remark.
7:00
